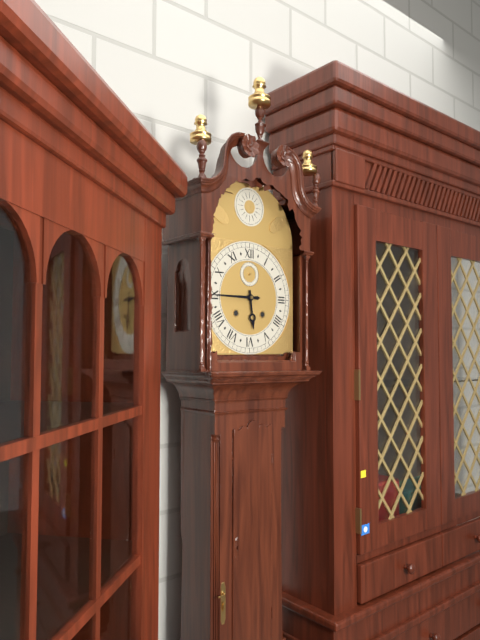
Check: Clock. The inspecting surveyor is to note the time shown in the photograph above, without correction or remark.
5:45
